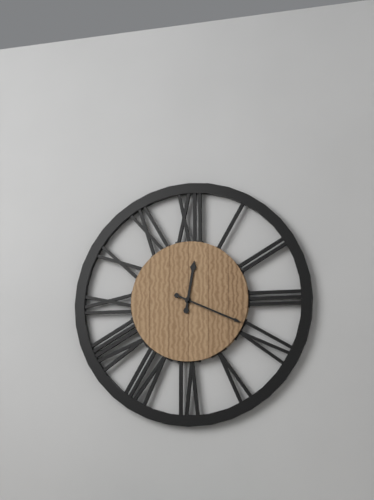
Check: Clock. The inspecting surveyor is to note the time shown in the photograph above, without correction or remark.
12:19
